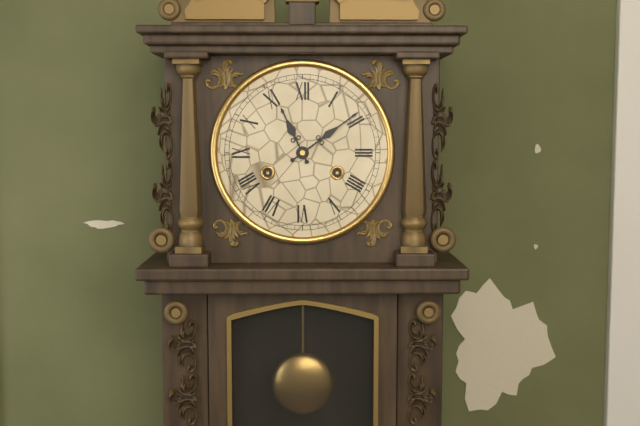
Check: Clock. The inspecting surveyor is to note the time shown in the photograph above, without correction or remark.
11:09
